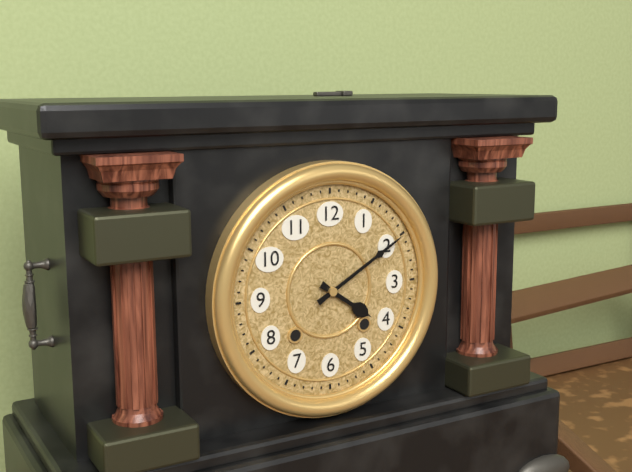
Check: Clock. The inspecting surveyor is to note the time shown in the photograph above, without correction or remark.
4:10
